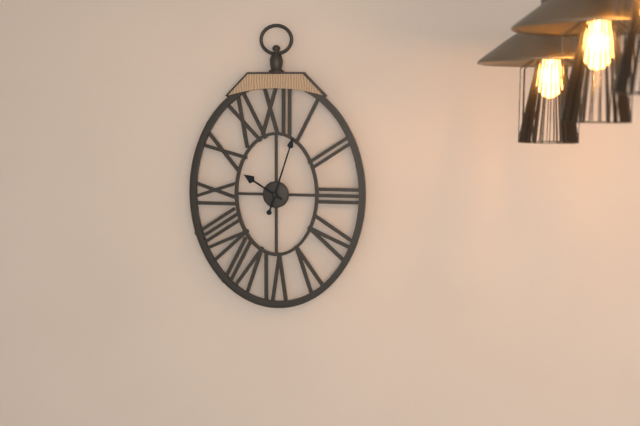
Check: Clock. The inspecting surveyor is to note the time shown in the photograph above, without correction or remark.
10:03
